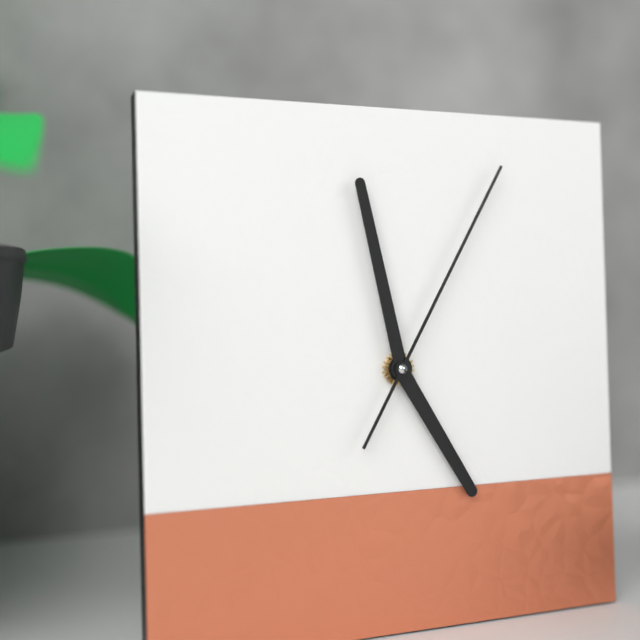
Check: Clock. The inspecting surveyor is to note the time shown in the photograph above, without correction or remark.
4:58:05
